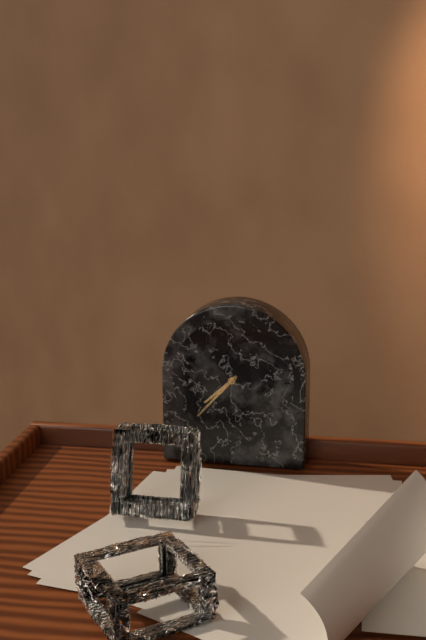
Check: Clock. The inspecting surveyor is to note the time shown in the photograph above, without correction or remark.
7:37
